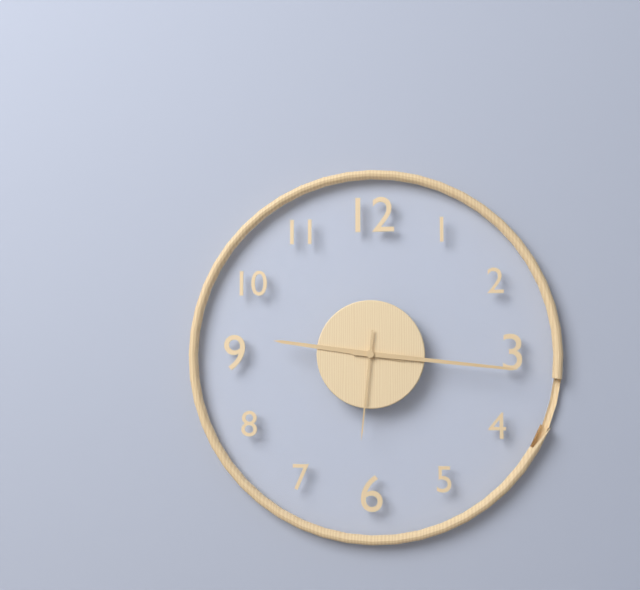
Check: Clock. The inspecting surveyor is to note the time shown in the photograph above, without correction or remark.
9:16:31
